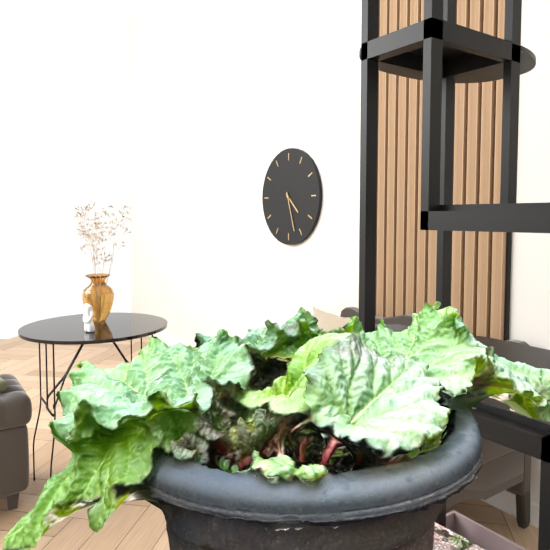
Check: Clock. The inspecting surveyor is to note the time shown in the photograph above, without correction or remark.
4:27
